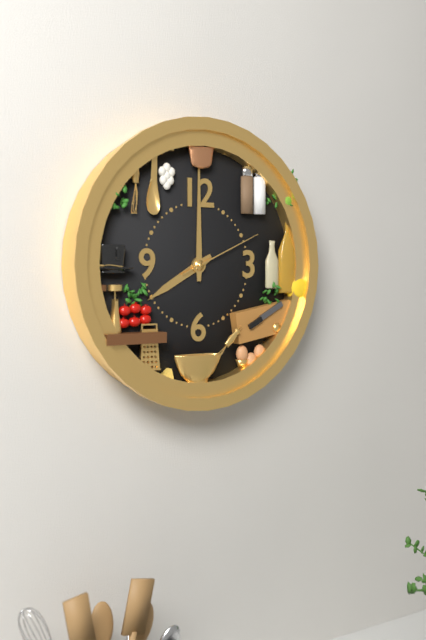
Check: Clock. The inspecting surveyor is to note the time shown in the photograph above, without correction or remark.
8:00:11
